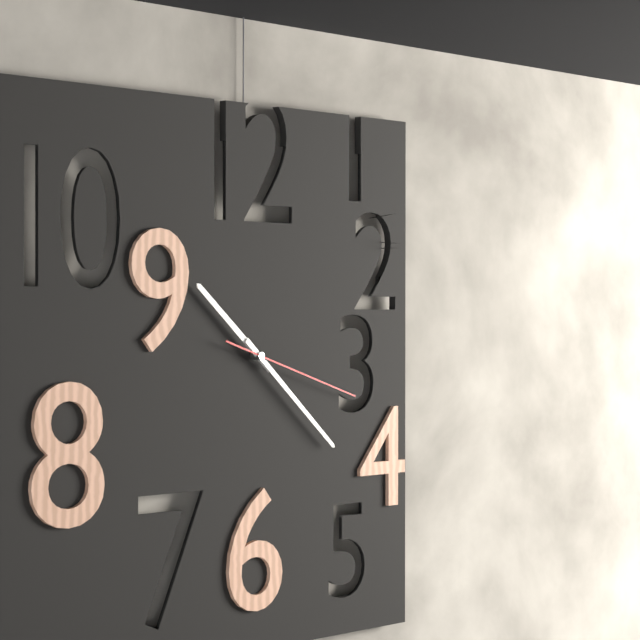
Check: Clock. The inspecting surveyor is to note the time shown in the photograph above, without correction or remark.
10:22:18
